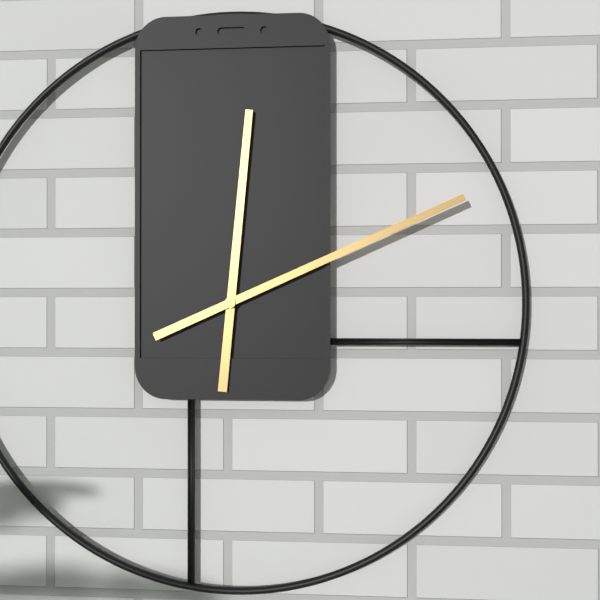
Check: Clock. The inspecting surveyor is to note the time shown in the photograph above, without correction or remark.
12:11
